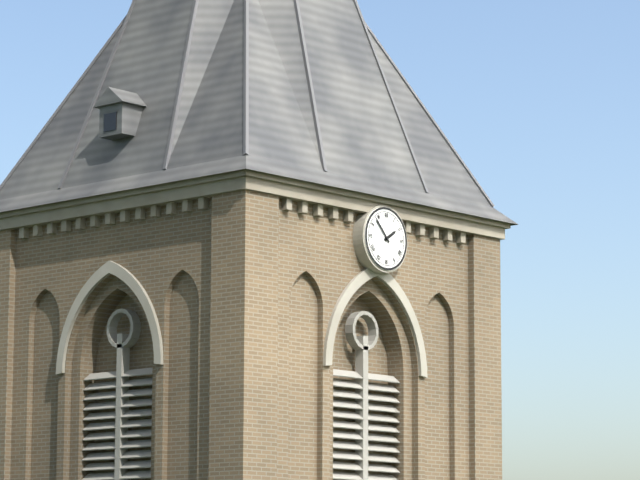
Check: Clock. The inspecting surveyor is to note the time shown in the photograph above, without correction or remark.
1:53
